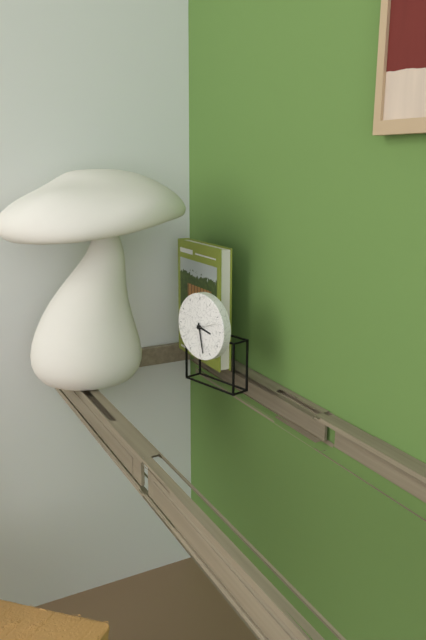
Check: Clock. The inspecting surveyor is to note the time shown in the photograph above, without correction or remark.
3:28
